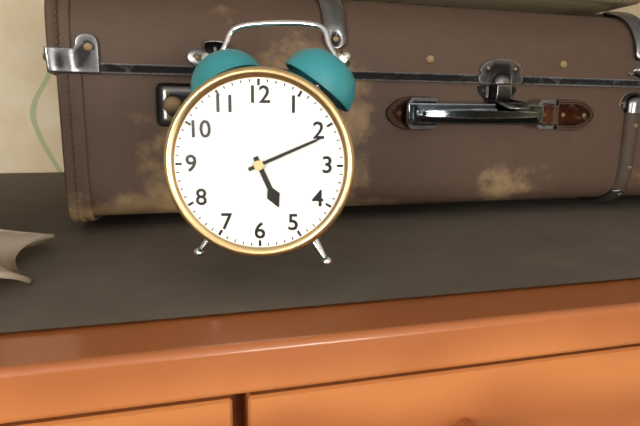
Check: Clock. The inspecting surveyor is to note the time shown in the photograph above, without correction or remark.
5:11
